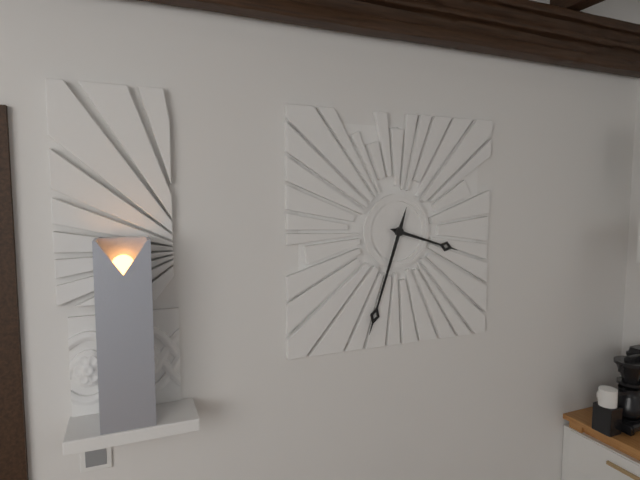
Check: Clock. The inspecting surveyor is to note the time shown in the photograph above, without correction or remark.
3:33
